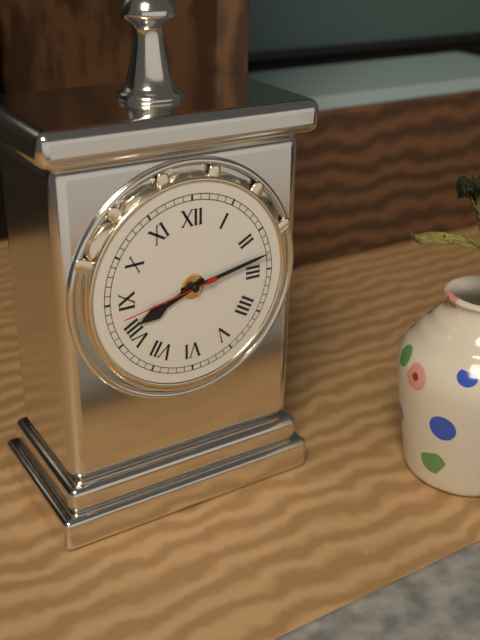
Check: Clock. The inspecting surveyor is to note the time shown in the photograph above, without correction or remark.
8:13:43
